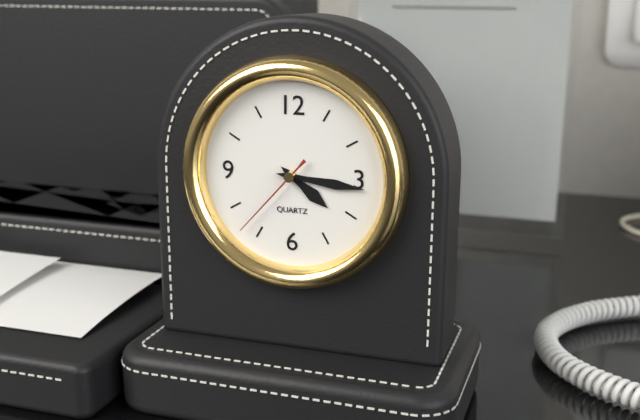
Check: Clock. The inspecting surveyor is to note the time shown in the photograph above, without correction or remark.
4:16:37
